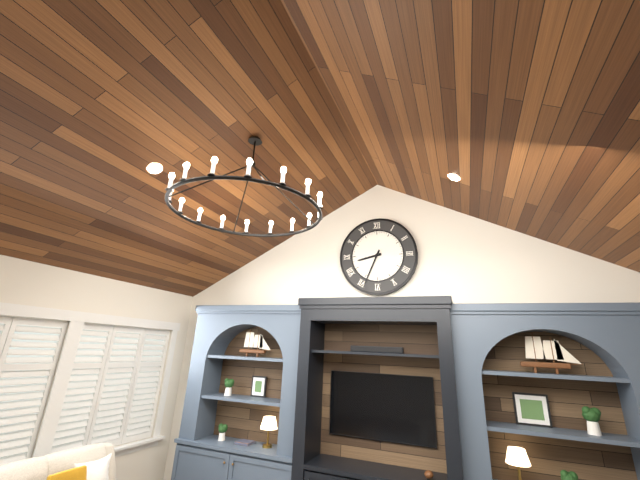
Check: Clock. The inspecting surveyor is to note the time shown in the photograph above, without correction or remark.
8:34
